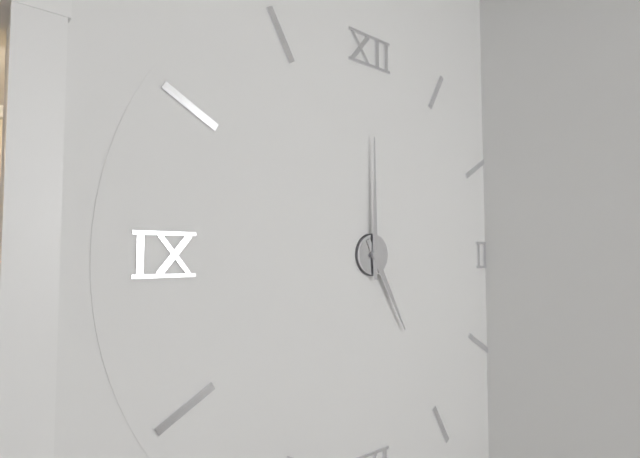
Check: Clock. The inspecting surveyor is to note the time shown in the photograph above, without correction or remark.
5:00
